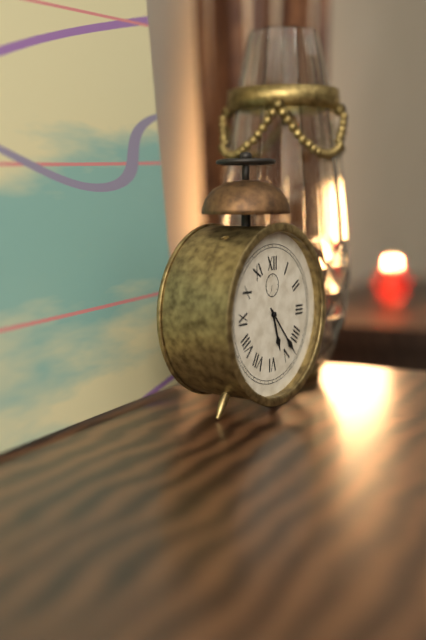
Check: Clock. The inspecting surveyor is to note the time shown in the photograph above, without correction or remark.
5:23
